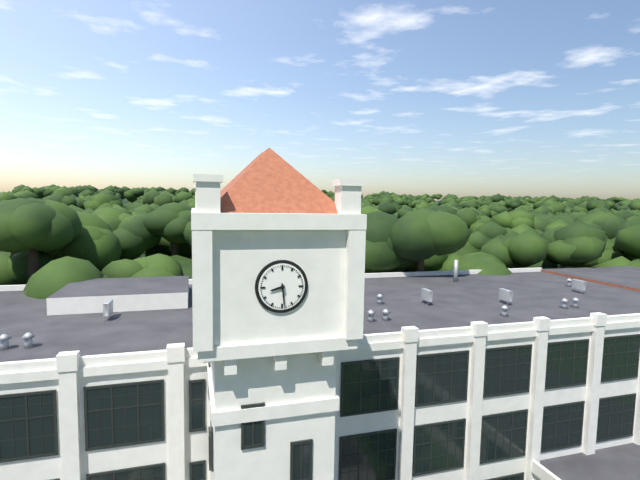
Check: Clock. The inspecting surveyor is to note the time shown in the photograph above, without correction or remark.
8:29
